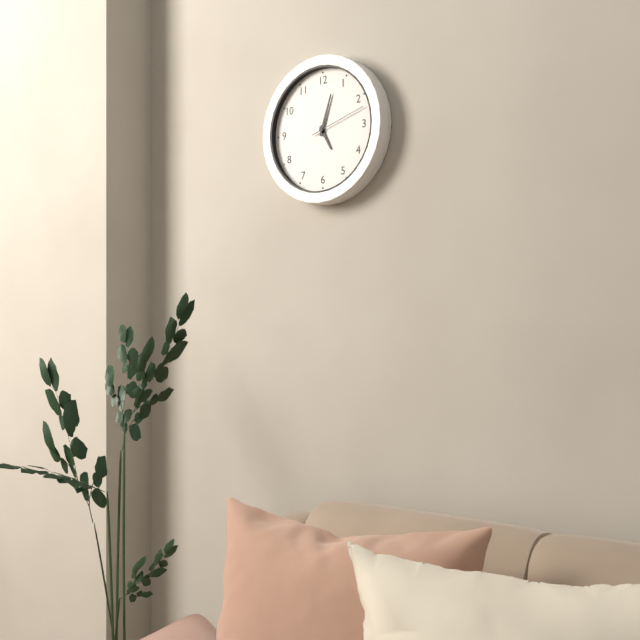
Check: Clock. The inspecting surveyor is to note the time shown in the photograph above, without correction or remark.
5:03:12
